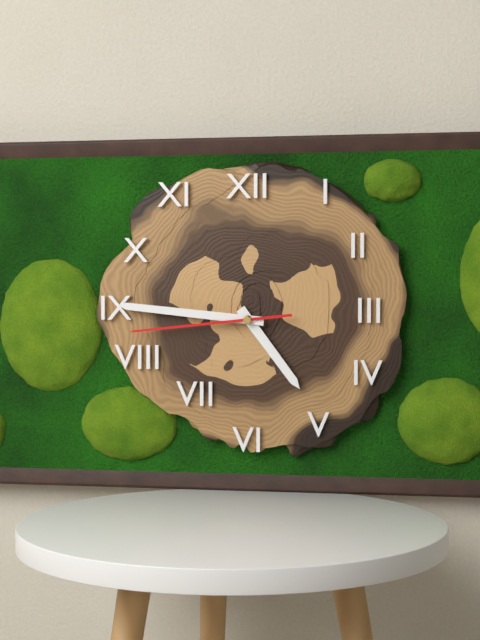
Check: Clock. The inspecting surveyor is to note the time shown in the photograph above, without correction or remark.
4:46:44
